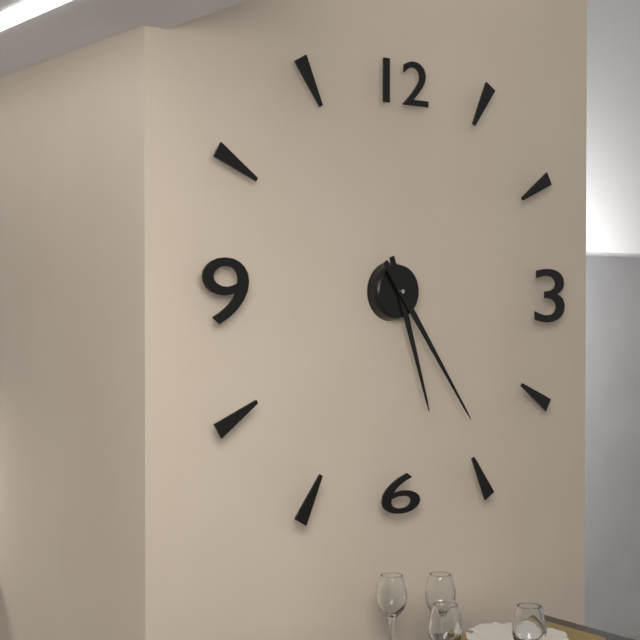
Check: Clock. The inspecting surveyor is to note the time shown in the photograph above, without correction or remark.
5:24
